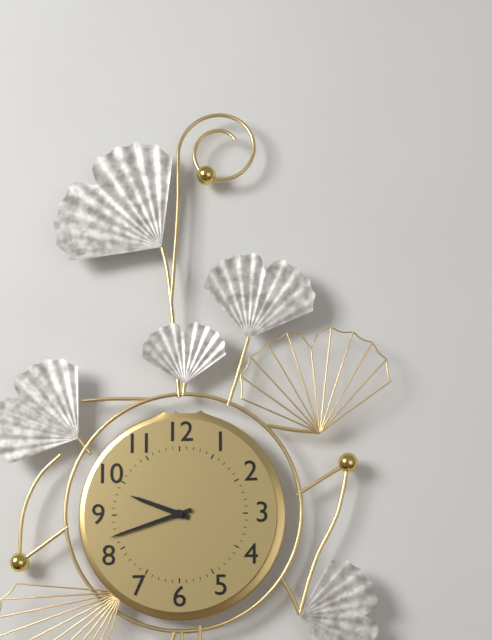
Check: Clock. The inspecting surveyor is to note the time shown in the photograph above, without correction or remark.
9:42
